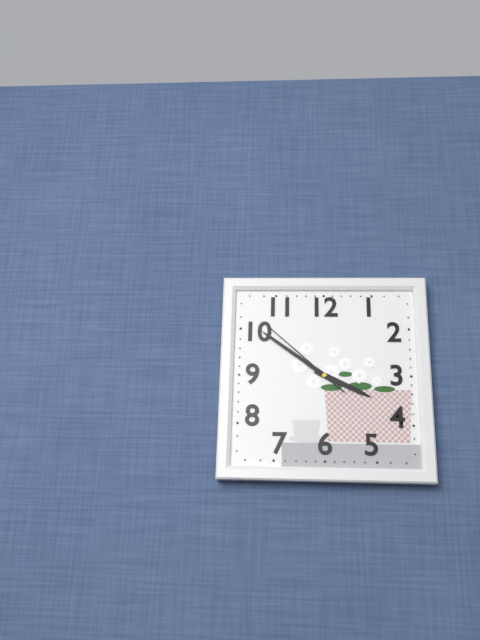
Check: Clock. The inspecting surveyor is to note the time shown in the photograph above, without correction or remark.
3:51:52
